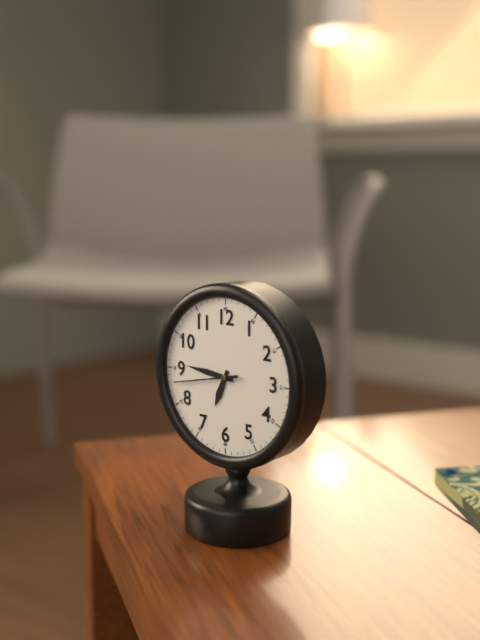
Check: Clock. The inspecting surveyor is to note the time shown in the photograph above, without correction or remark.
6:46:43
